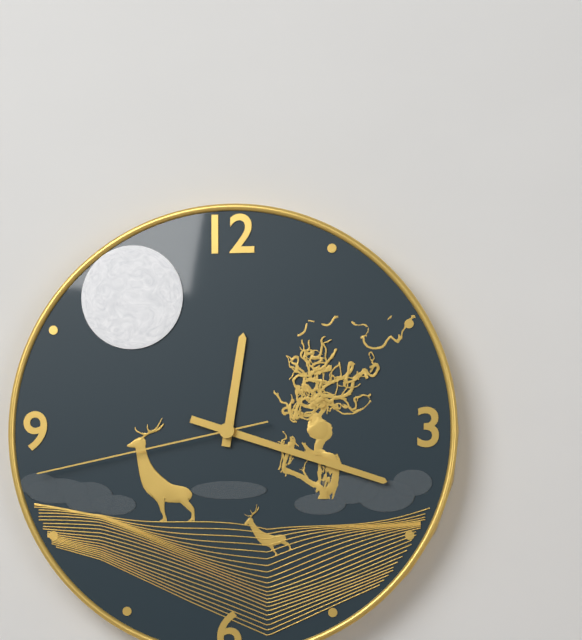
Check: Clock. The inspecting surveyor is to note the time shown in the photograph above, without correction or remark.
12:18:43
